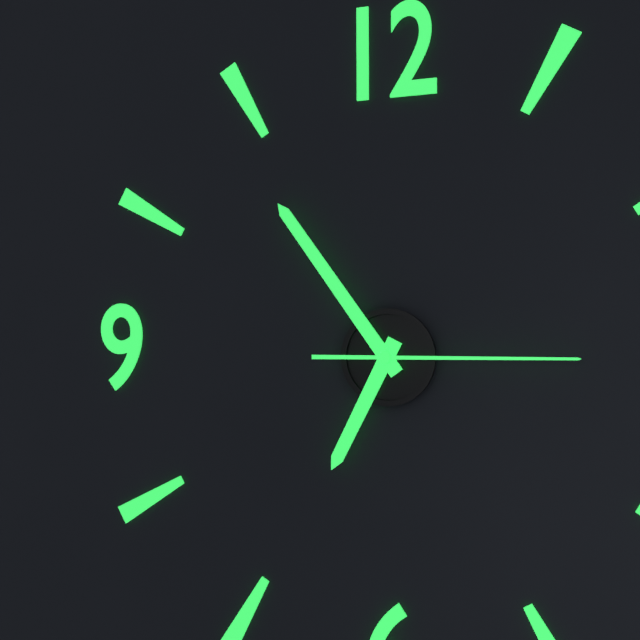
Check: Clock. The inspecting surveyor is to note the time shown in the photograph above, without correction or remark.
6:54:15
